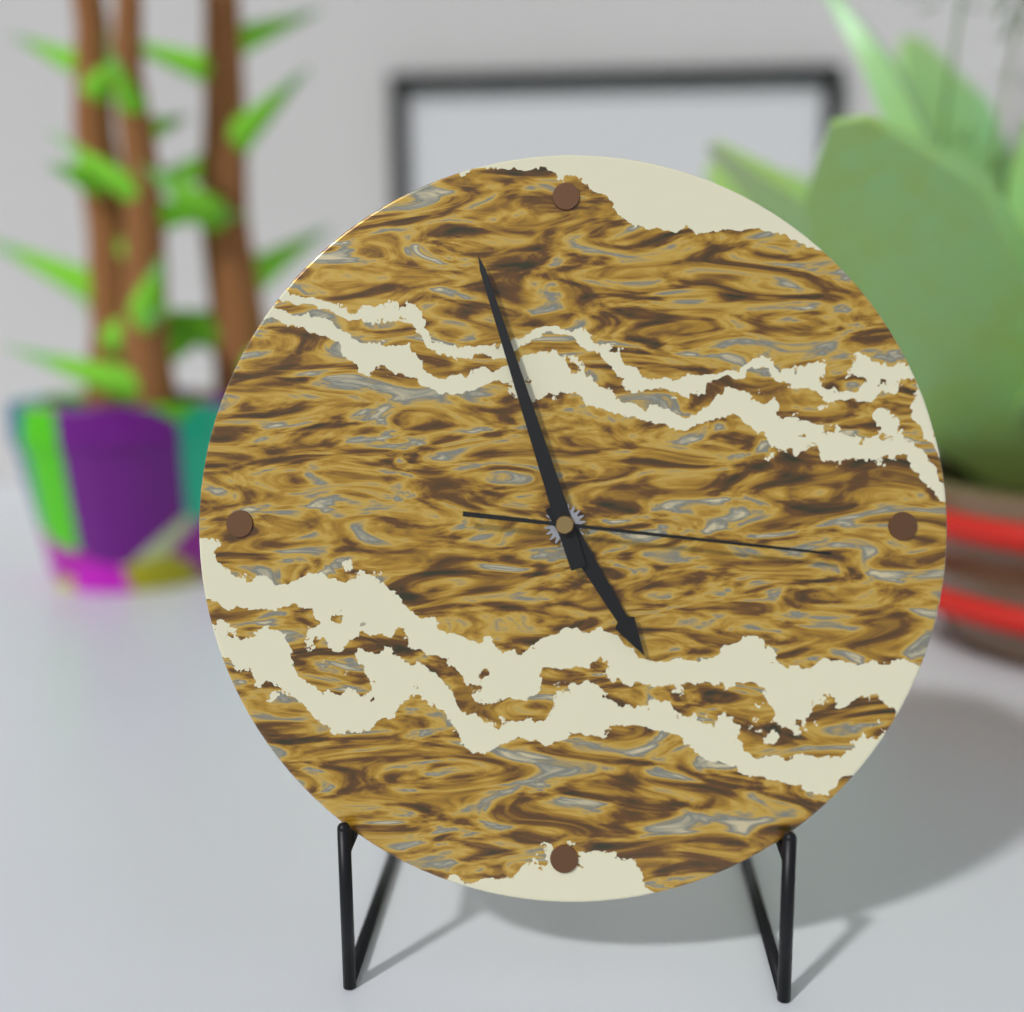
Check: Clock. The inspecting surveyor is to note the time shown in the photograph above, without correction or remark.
4:57:16
